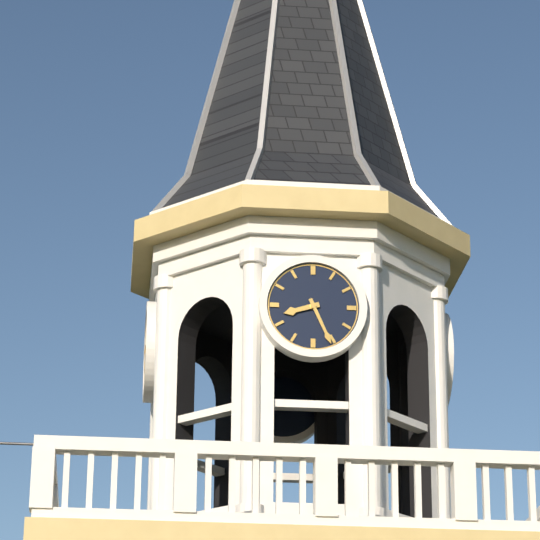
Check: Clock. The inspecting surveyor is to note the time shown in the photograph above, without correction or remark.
8:26
